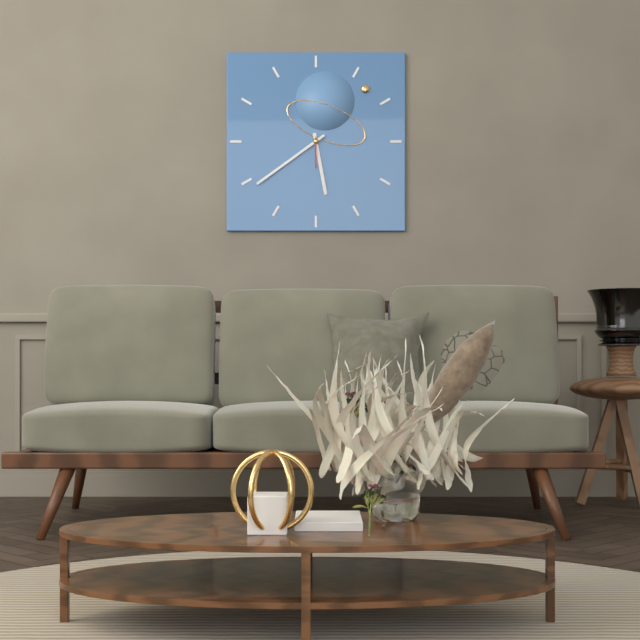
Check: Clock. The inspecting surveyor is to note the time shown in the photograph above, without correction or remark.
5:39
